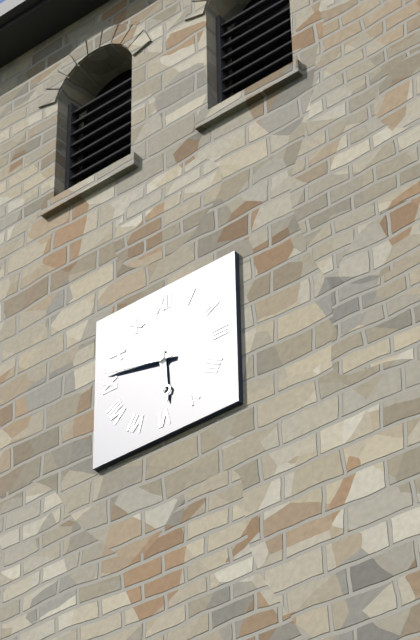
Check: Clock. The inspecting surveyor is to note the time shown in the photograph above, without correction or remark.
5:47
